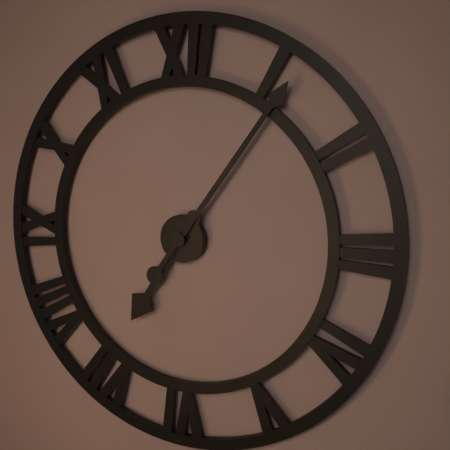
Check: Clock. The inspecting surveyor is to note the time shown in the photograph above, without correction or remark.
7:06
